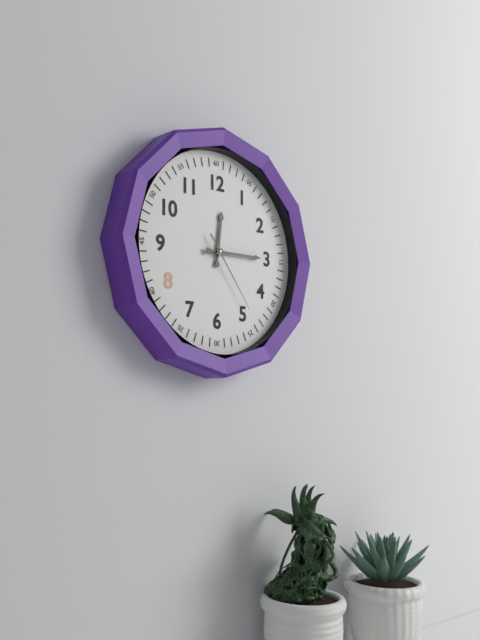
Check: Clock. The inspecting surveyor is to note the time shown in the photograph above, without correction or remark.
12:15:24
